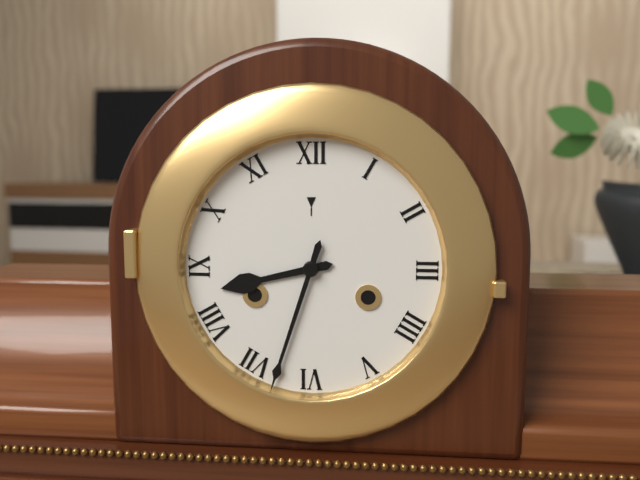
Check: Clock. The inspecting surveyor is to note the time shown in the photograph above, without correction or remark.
8:33
